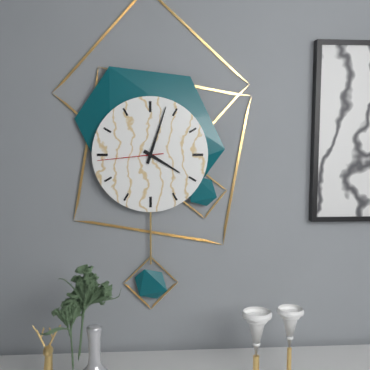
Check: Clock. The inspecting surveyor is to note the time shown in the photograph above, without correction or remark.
4:03:44
